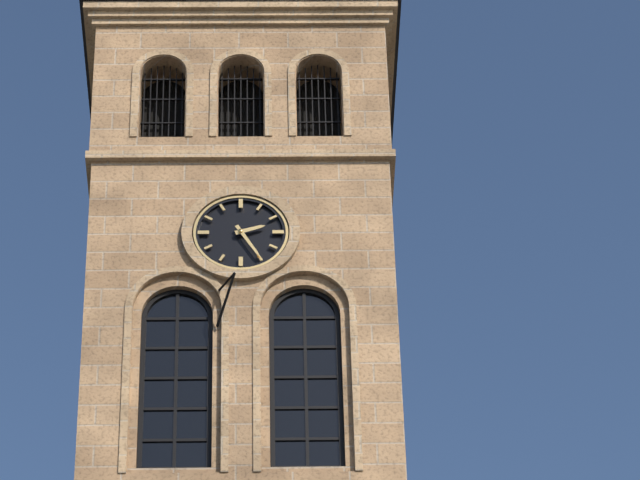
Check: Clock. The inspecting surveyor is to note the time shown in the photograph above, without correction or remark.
2:25
